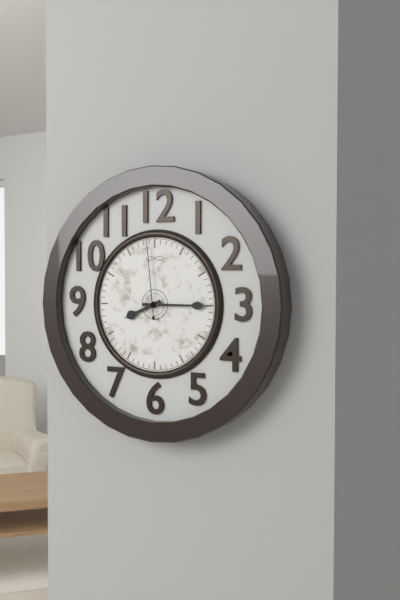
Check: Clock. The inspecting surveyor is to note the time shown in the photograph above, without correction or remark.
8:15:59
